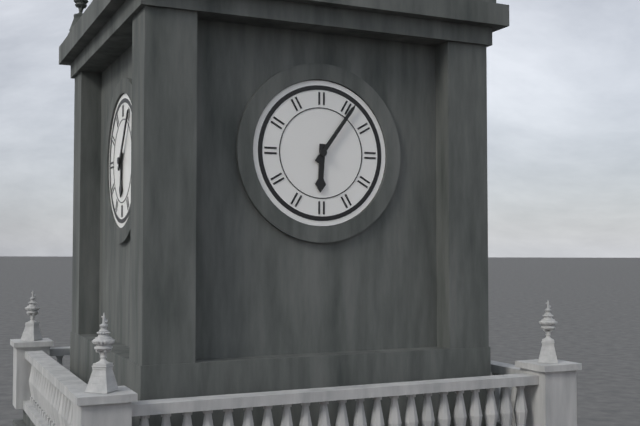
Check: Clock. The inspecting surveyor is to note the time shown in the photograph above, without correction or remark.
6:06
